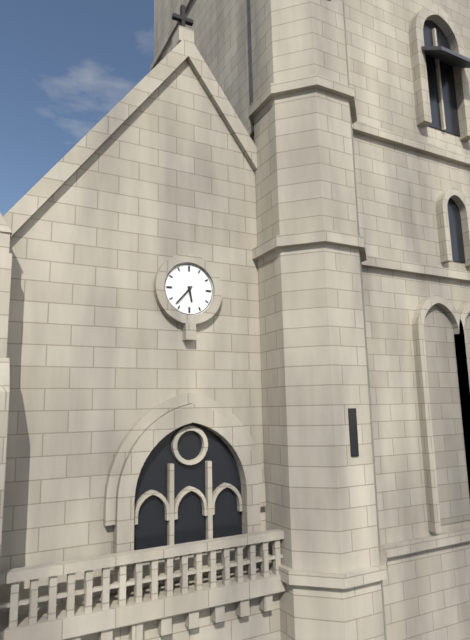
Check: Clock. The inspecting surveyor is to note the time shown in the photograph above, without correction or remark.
5:37
